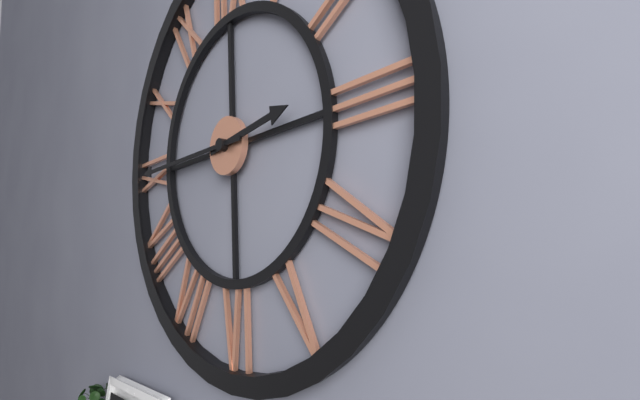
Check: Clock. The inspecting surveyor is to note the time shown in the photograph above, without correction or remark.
2:45
